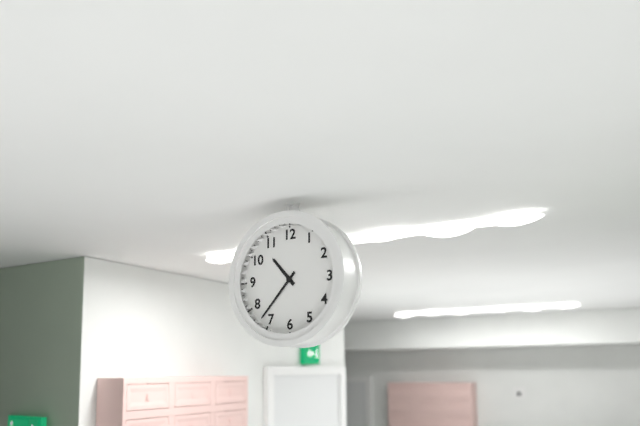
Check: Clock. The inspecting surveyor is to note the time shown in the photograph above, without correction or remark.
10:37
